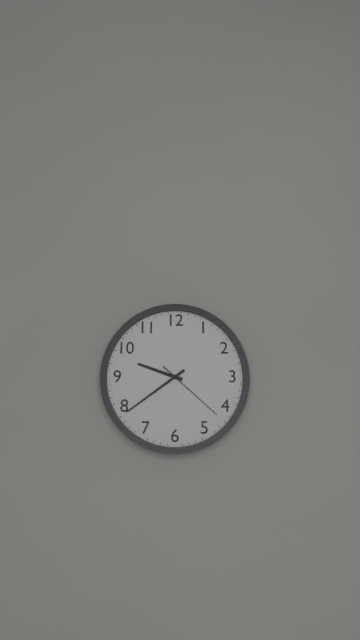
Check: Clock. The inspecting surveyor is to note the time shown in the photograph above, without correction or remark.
9:39:22
